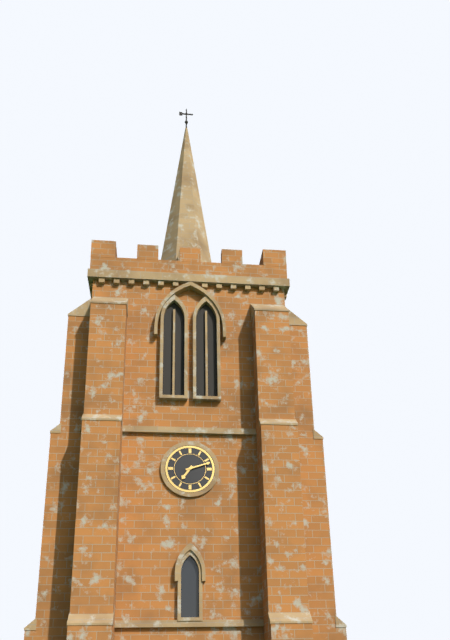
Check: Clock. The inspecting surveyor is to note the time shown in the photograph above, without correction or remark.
7:12
